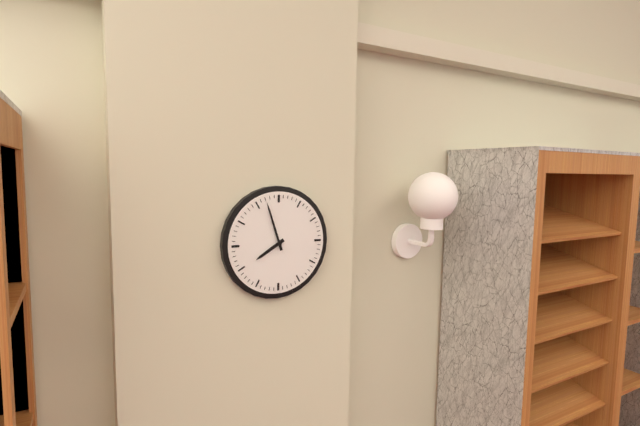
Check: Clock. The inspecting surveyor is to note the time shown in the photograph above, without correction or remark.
7:57
